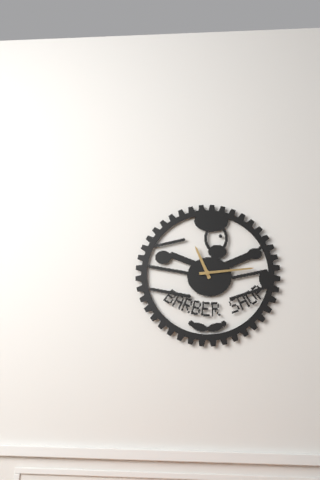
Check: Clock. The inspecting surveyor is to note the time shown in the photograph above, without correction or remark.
11:14
